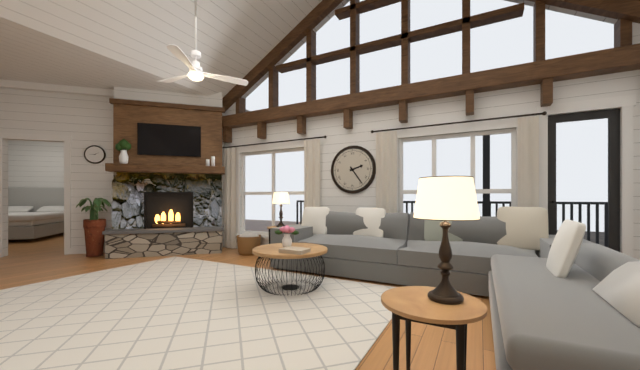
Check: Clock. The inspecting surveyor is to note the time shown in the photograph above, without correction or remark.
2:24
